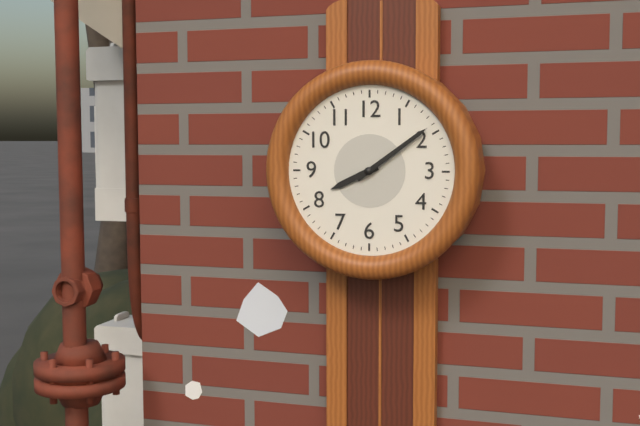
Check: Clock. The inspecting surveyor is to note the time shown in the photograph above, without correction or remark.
8:09
